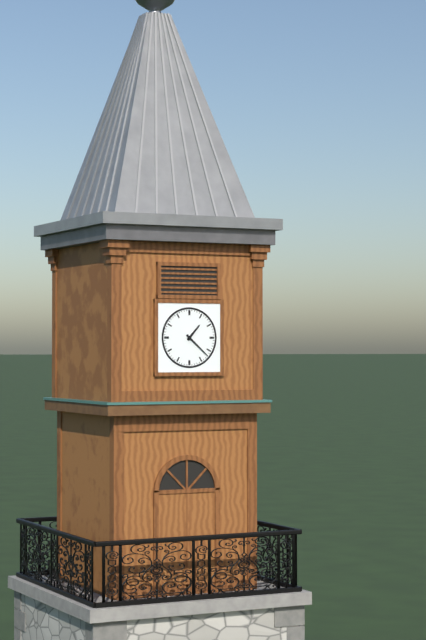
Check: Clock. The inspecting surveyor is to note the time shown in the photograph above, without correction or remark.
1:22
